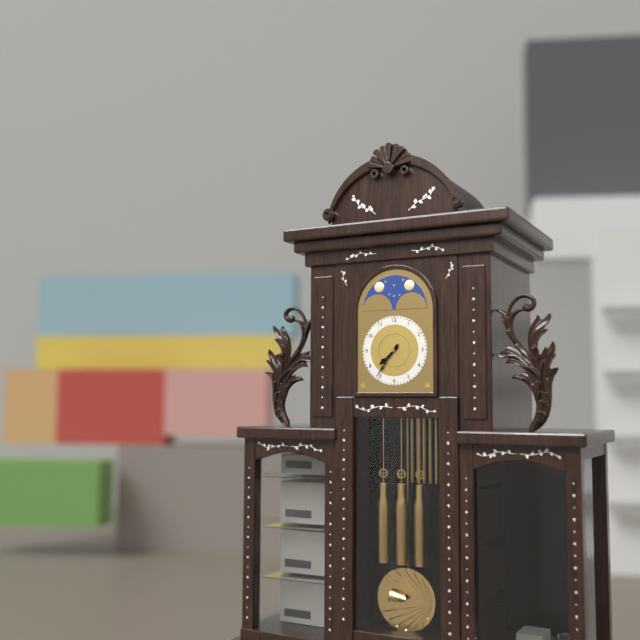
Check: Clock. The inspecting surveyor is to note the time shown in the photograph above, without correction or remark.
7:36
